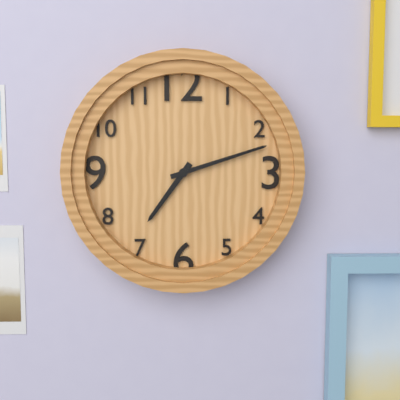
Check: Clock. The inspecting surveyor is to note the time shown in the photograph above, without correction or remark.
7:12
